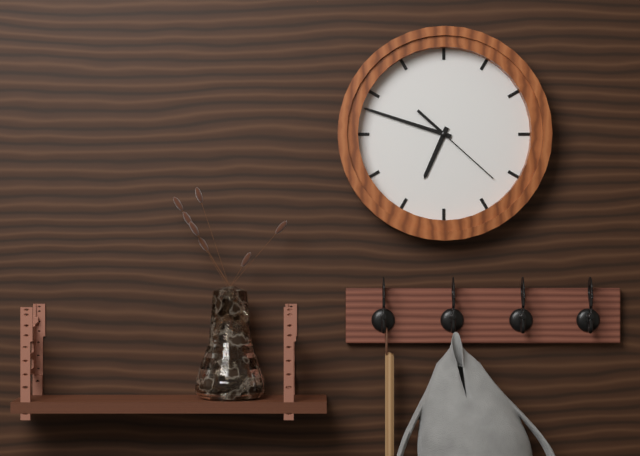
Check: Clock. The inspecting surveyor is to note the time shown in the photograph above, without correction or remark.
6:48:22
